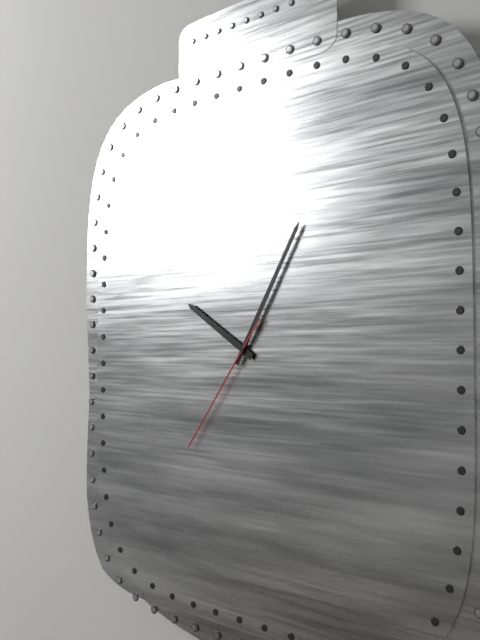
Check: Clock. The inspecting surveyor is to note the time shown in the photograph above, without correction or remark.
10:05:36
